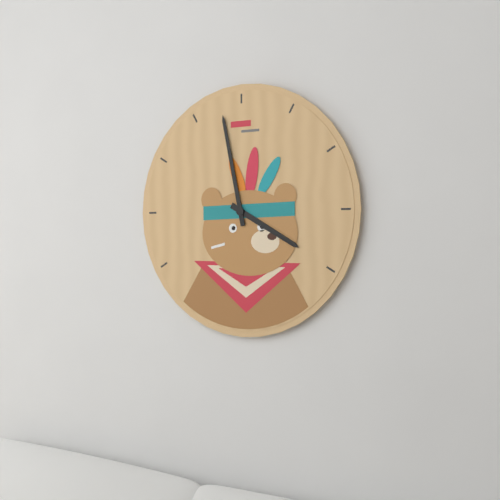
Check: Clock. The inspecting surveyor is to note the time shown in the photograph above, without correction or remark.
3:58
